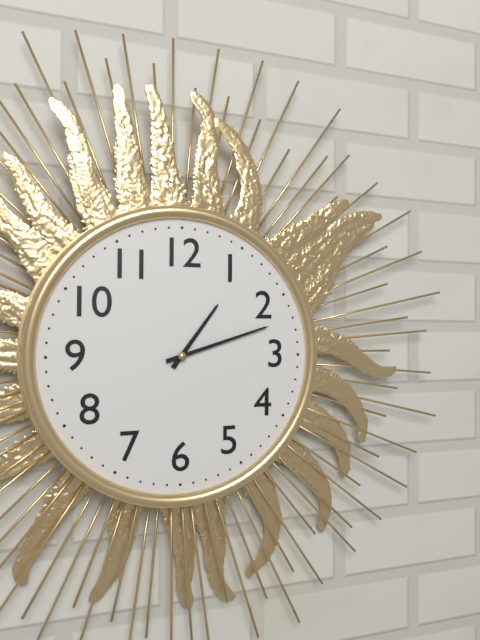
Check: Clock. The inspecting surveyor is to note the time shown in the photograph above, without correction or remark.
1:12
